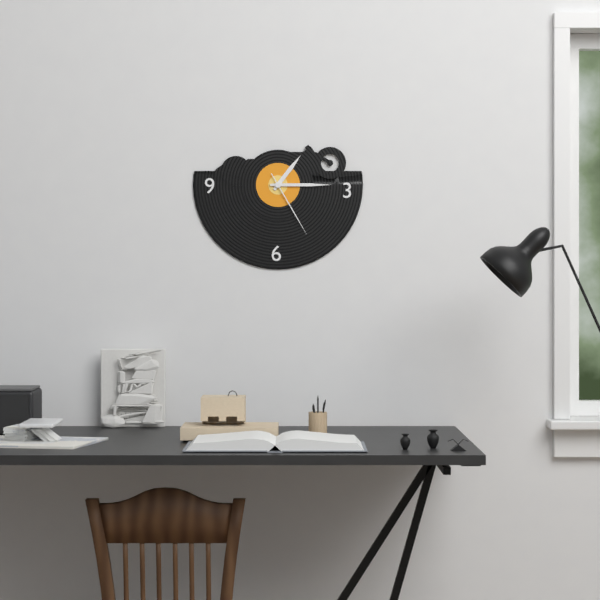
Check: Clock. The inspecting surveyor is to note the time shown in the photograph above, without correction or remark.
1:15:25
